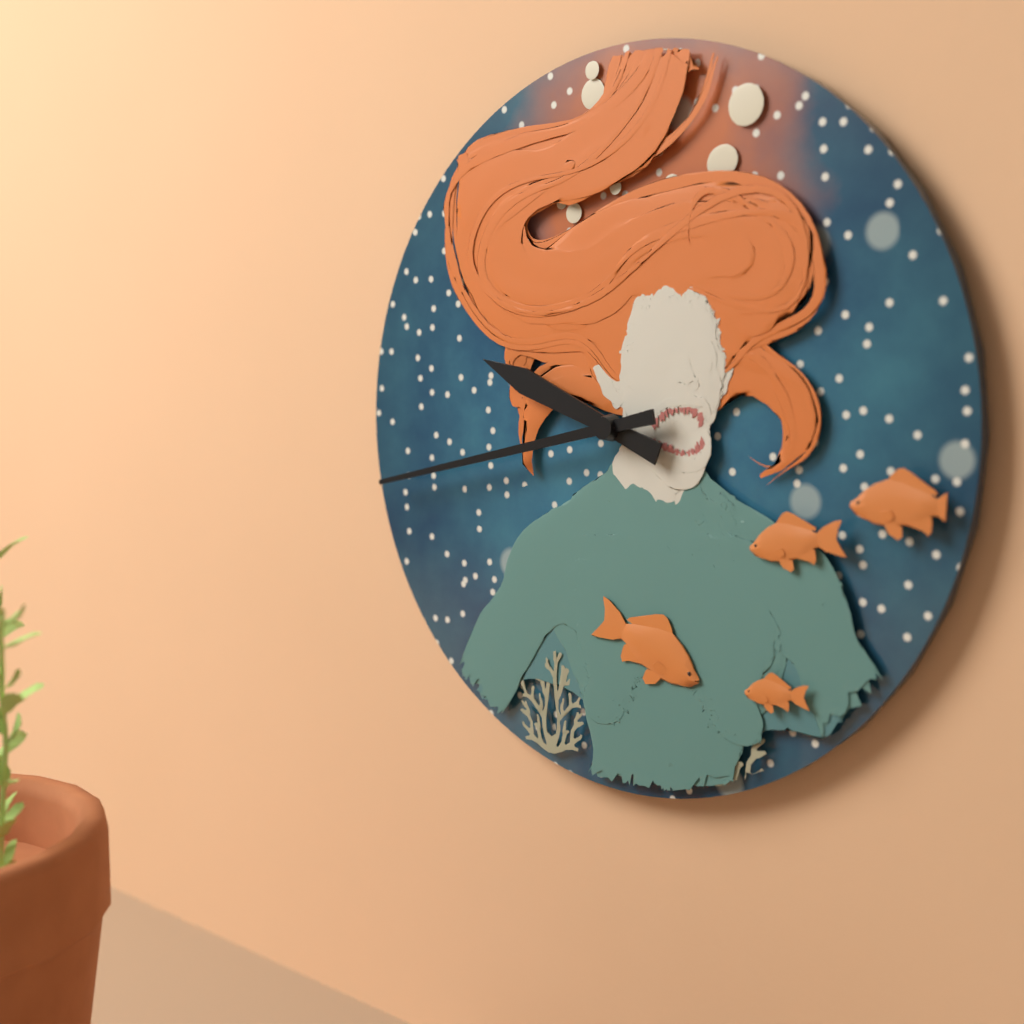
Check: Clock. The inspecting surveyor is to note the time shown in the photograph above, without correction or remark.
9:43
